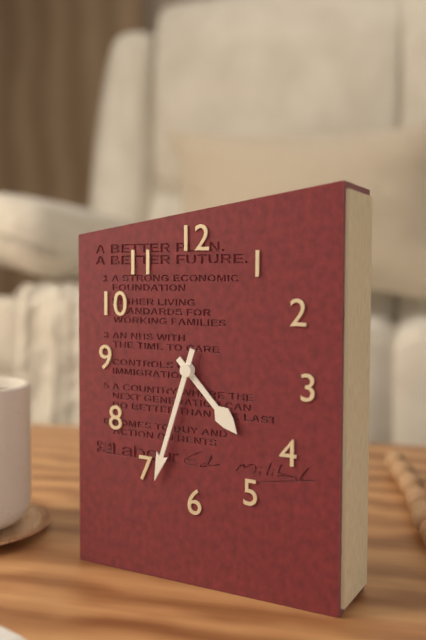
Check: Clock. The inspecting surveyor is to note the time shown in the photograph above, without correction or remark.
4:33
